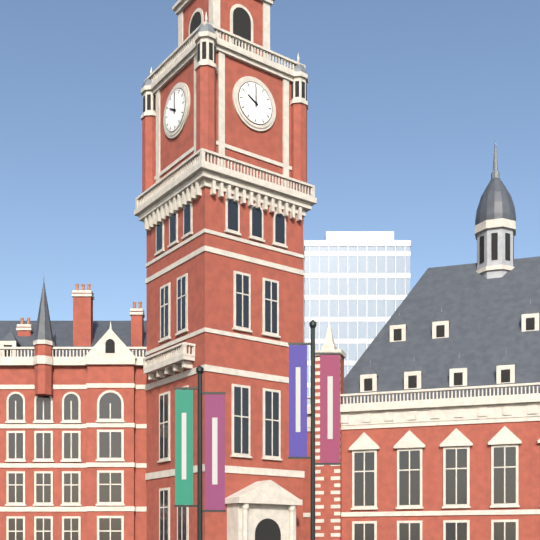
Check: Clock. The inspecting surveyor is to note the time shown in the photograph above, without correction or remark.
10:00
